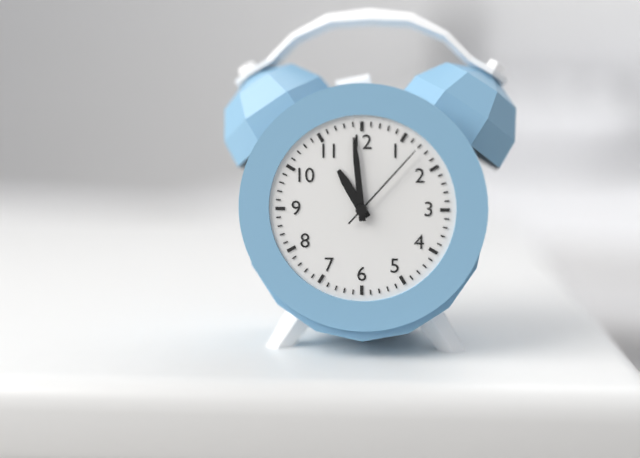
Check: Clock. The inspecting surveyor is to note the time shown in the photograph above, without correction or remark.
10:59:07
